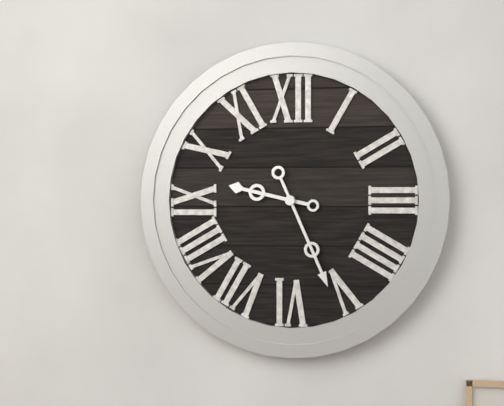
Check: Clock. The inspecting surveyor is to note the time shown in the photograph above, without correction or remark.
9:26
